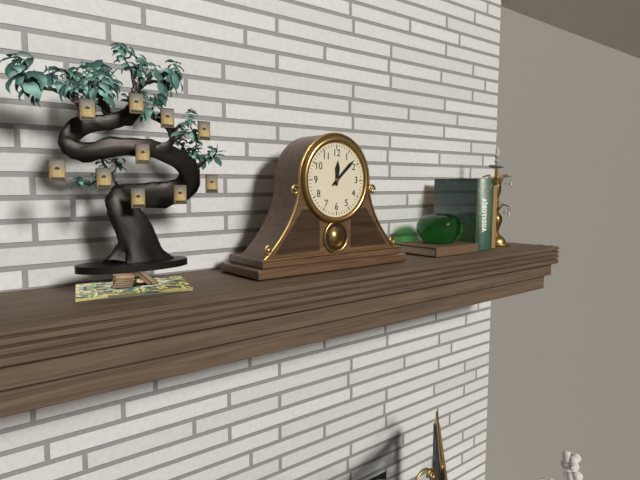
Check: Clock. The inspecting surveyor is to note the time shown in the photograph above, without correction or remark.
12:08
